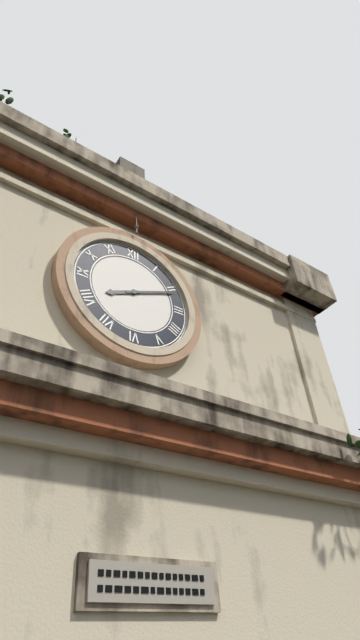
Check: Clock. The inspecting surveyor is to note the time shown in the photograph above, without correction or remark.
8:11
